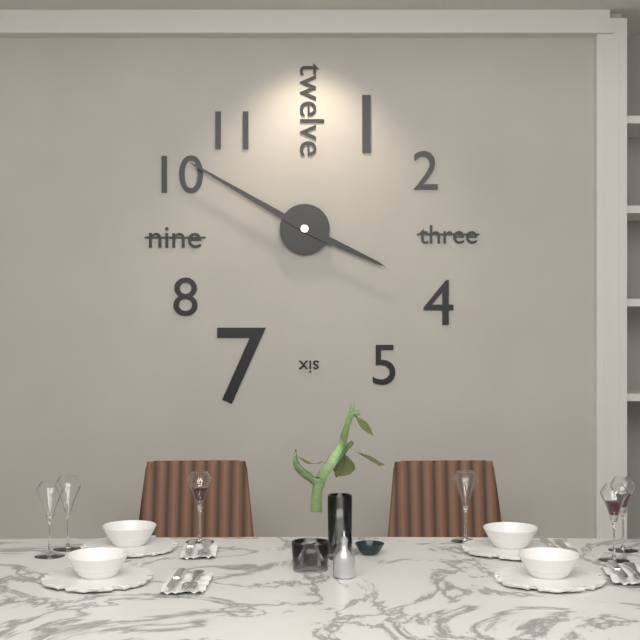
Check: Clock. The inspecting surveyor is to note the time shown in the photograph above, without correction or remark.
3:50
